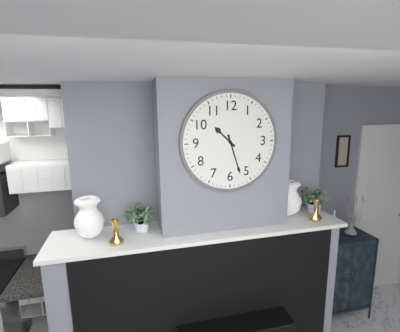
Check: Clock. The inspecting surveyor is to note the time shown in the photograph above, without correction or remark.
10:27
